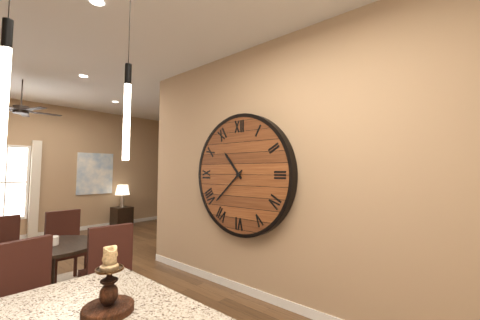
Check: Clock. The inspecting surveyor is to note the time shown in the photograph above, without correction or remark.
10:38
